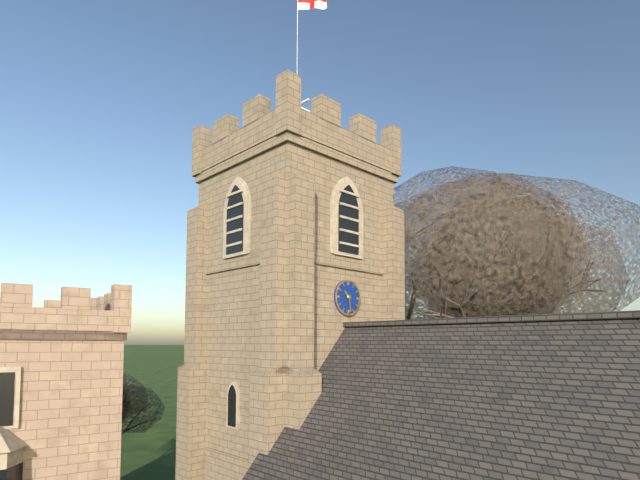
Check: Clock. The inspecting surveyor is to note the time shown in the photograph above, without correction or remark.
10:29
